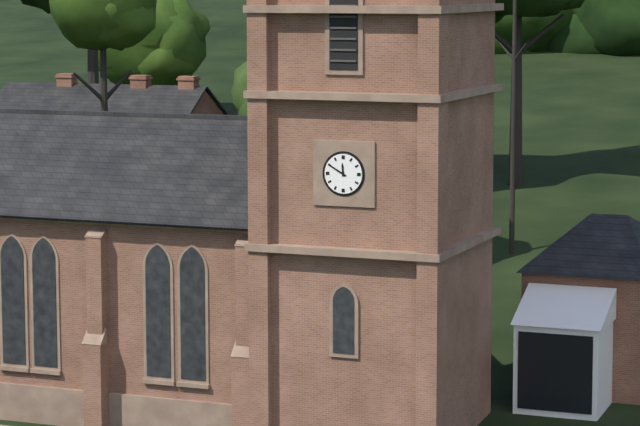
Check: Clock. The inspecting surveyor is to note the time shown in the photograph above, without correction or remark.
11:50
